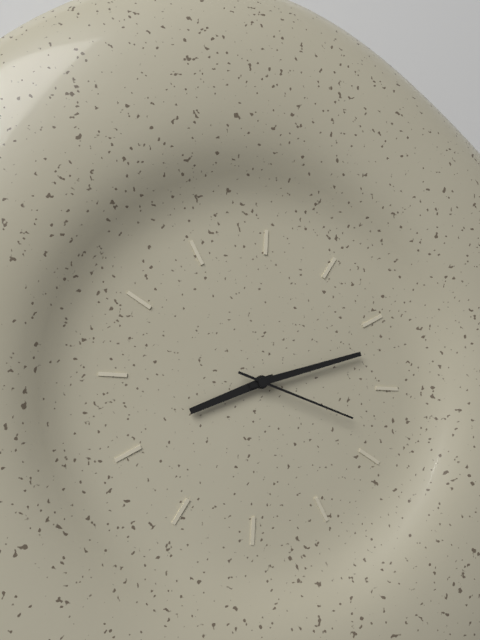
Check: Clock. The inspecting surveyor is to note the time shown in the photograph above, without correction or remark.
8:12:18
